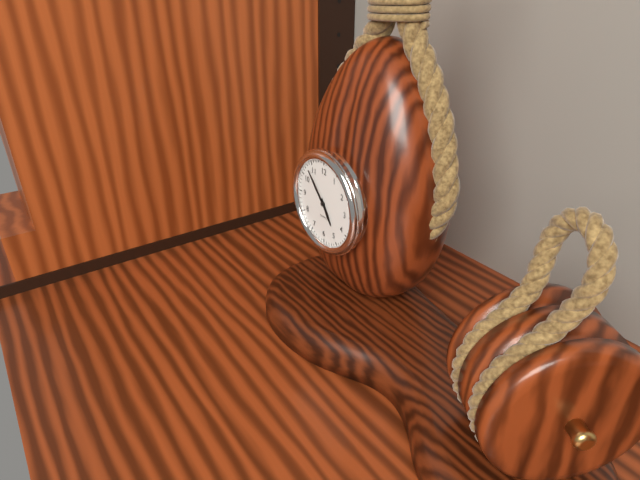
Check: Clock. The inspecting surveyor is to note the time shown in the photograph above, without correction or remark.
4:53
